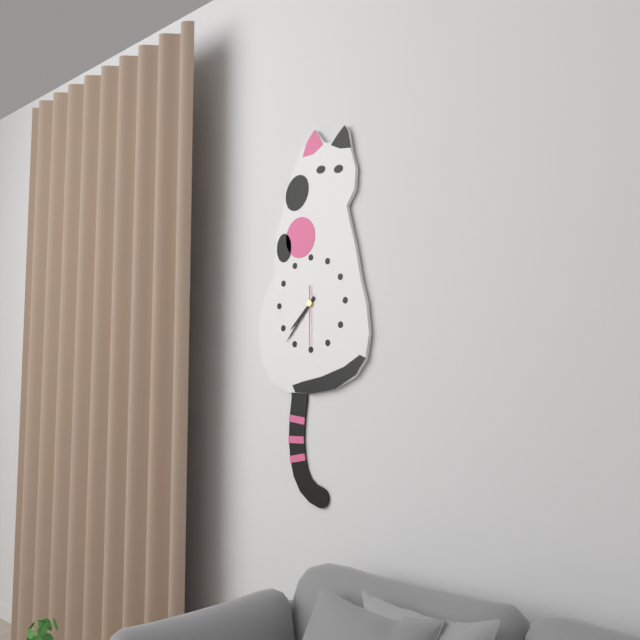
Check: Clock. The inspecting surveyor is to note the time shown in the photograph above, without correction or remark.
7:37:30
